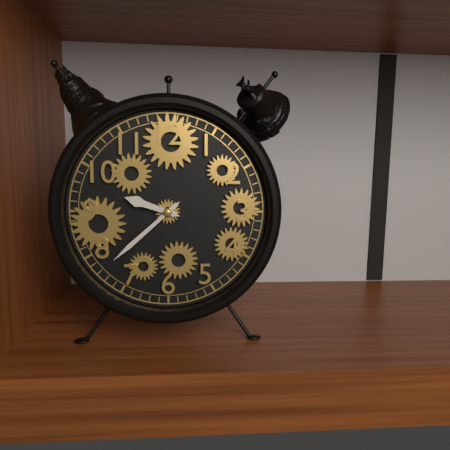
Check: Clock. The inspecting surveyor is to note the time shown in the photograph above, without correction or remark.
9:38
